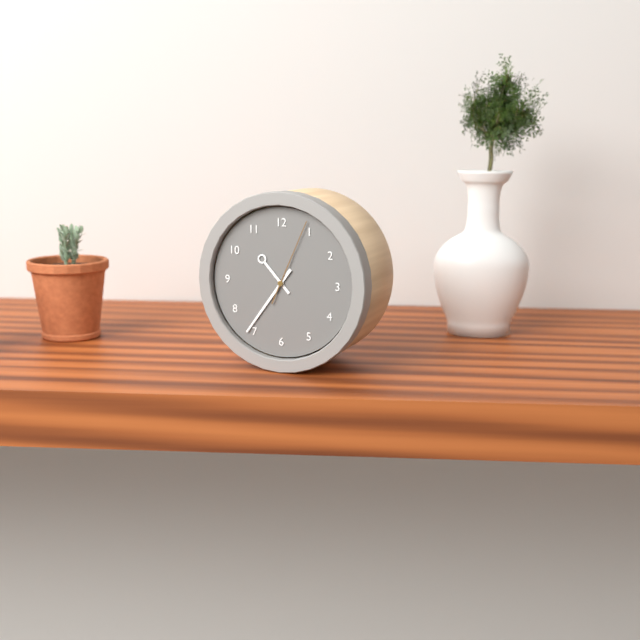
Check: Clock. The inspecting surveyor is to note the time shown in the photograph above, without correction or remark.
10:36:04
